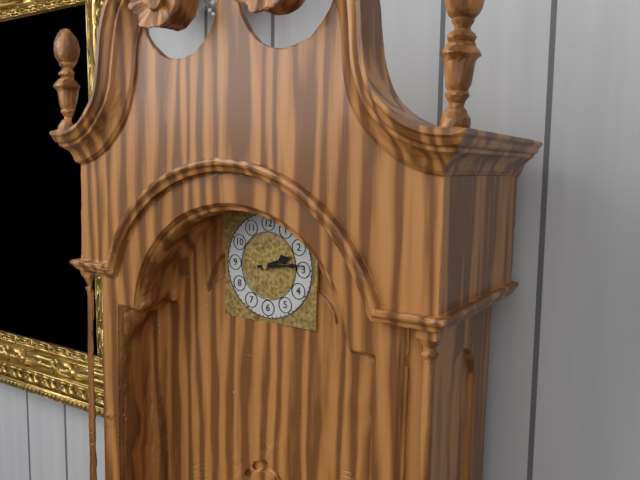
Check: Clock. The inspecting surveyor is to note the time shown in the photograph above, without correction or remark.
2:14
